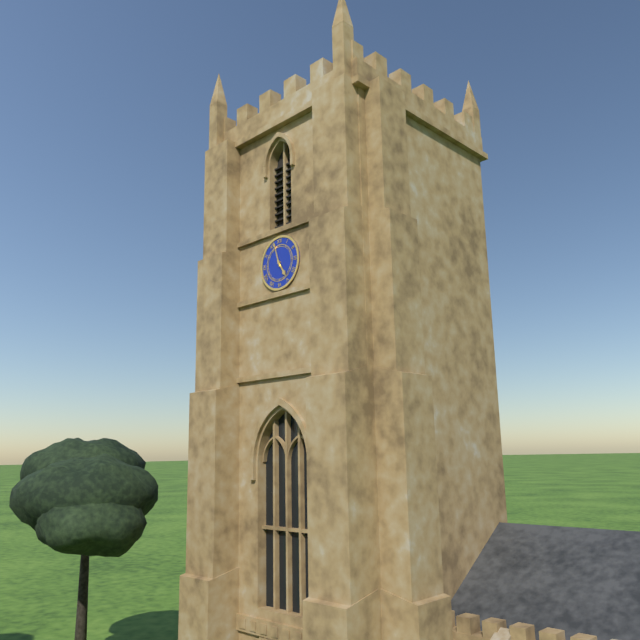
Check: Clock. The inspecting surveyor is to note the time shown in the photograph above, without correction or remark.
4:57
